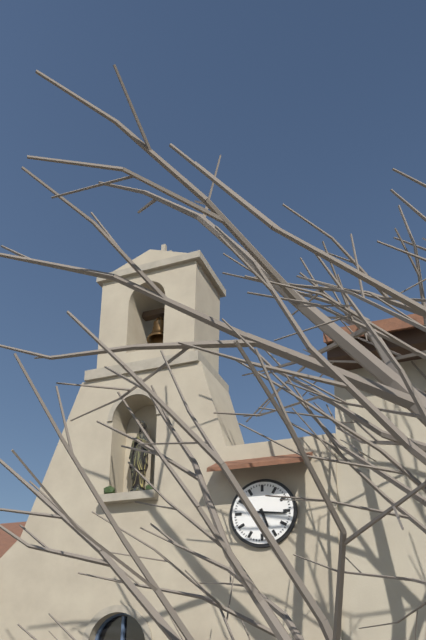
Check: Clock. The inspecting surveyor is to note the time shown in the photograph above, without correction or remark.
5:16
